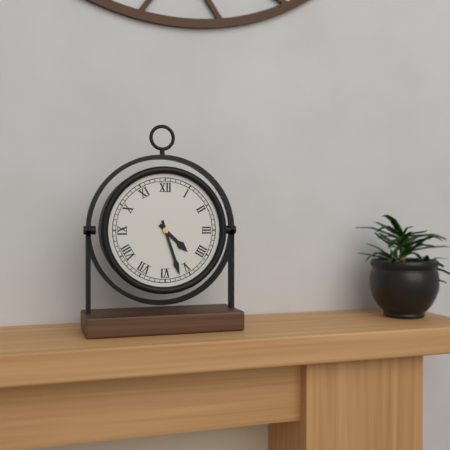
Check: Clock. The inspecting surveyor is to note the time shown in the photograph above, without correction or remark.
4:27
